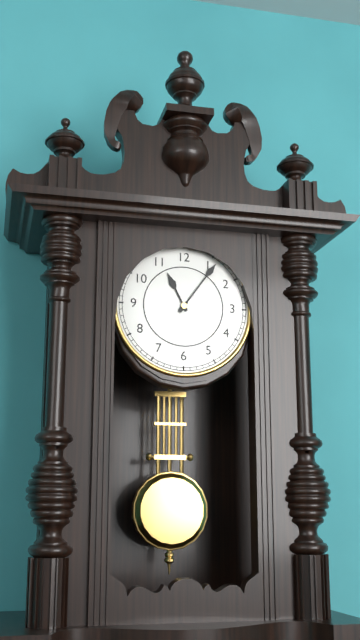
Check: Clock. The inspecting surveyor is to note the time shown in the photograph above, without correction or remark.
11:06
